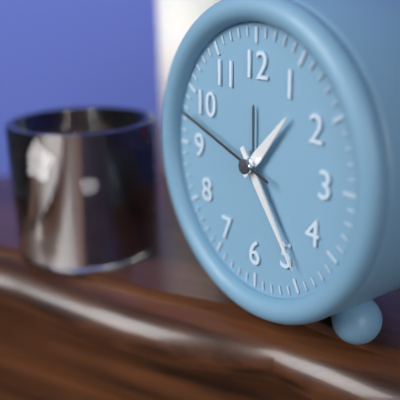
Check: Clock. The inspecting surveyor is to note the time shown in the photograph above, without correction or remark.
1:24:48
